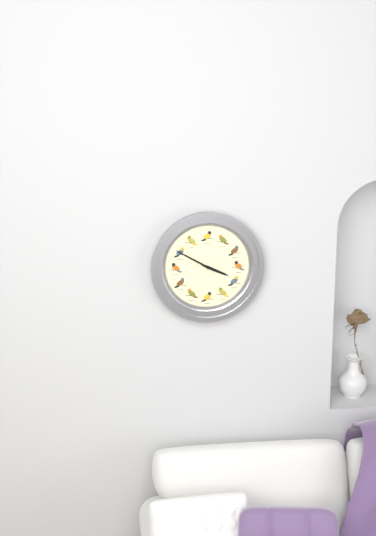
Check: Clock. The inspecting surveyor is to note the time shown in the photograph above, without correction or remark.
3:50
